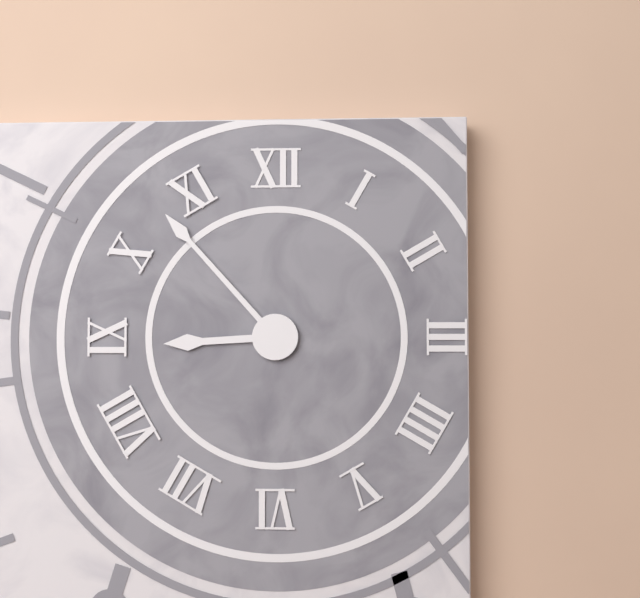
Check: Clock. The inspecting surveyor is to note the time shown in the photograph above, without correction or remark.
8:53
